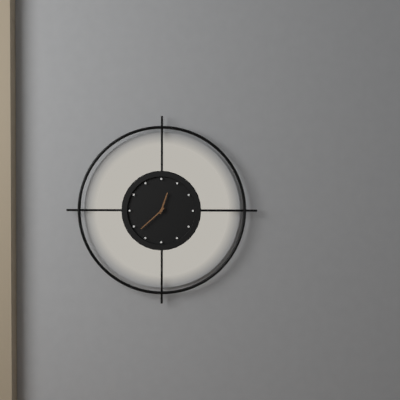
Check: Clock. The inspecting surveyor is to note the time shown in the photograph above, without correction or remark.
12:38
